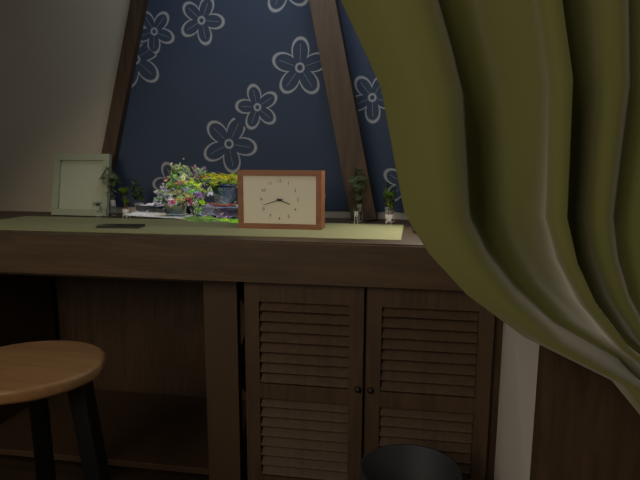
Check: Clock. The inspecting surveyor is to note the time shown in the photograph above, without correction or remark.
3:42
